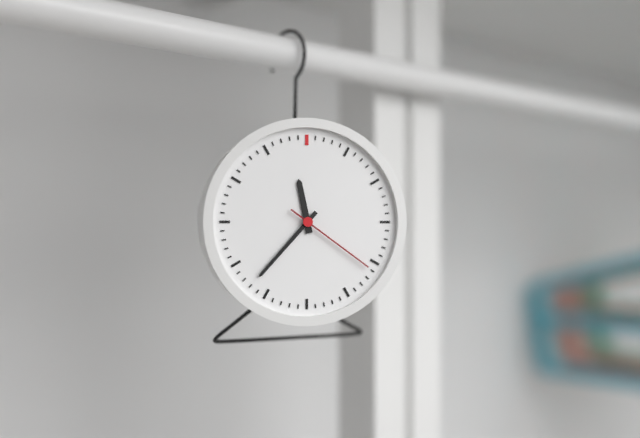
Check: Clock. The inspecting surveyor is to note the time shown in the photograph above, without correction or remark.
11:37:21
